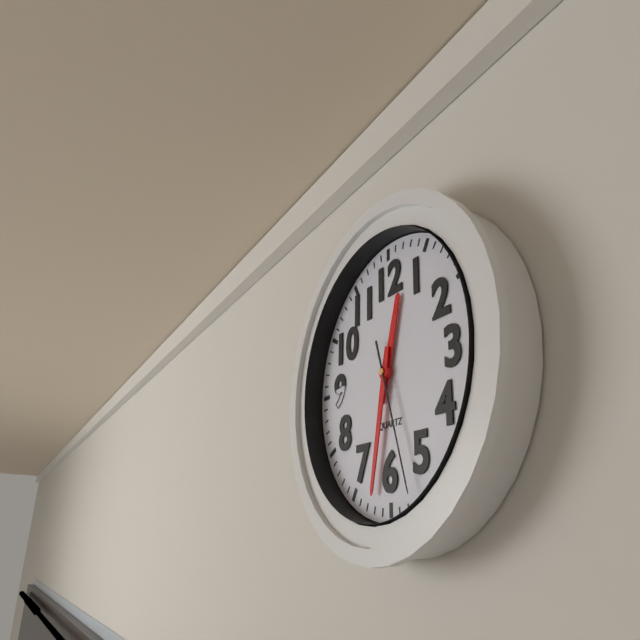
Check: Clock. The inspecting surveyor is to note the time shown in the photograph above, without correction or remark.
12:32:27
